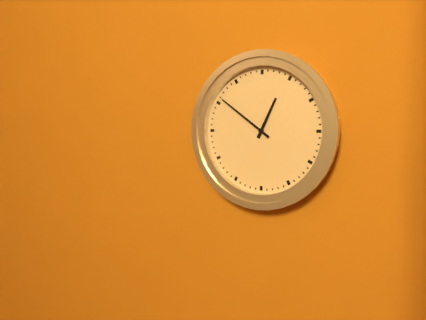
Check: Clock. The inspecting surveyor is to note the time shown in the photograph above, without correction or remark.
12:51
